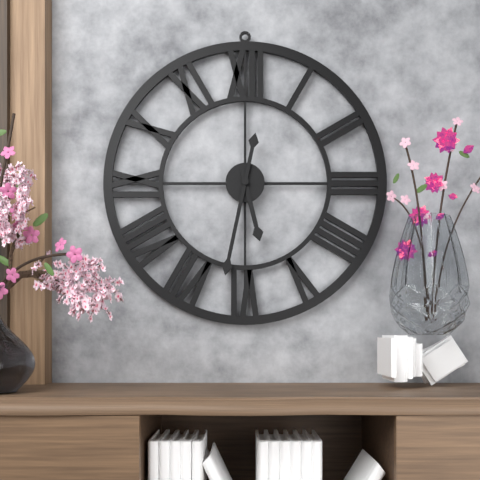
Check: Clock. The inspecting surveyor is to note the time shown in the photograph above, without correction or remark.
5:32
